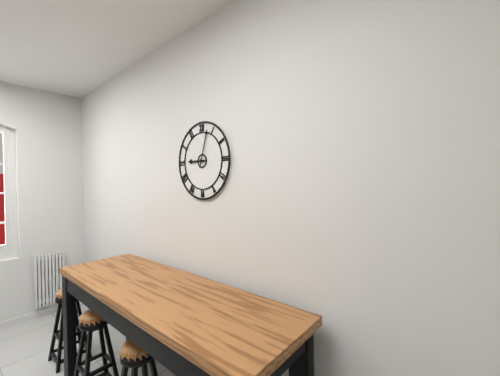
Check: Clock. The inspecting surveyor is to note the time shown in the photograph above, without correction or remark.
9:03
